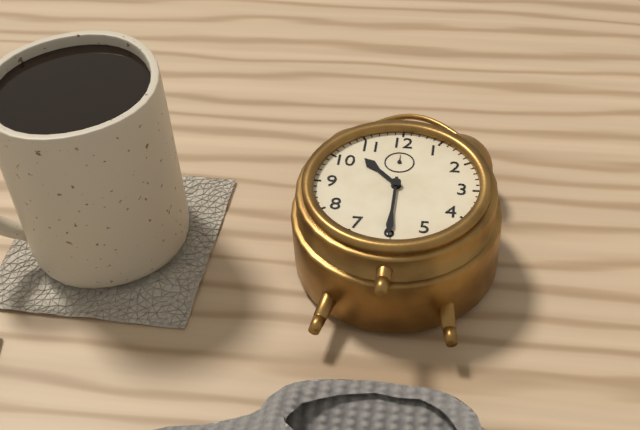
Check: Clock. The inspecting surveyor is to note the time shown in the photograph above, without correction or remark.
10:30
